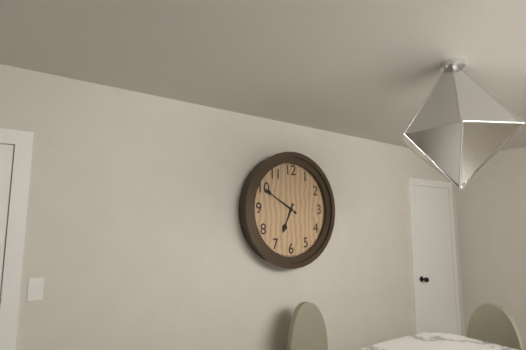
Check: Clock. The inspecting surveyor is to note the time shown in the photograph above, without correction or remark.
6:50
